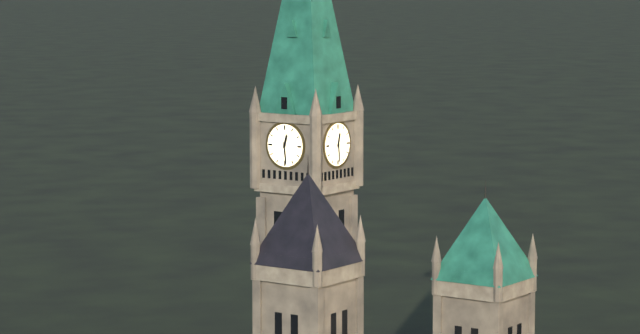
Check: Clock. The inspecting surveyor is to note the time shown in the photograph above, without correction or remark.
12:29
